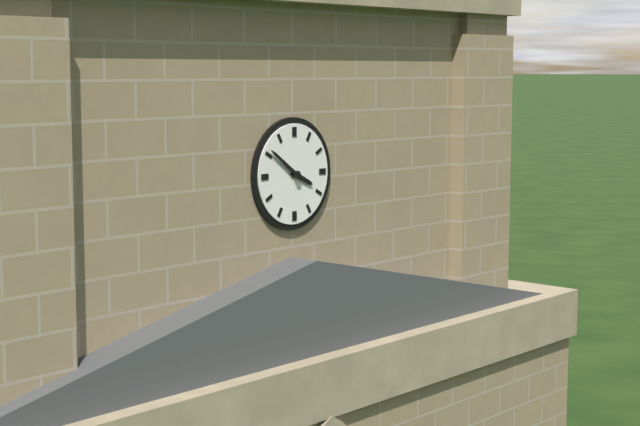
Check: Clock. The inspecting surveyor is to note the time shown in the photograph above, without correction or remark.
3:51
